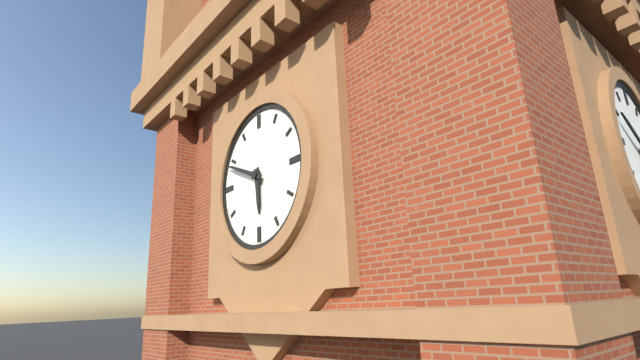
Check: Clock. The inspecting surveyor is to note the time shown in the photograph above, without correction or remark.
5:49
